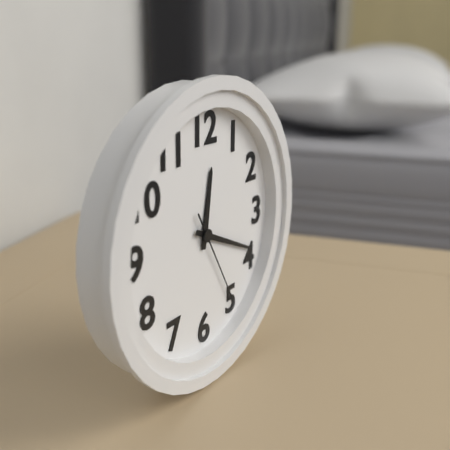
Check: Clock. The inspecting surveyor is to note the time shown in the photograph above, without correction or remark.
12:19:25
